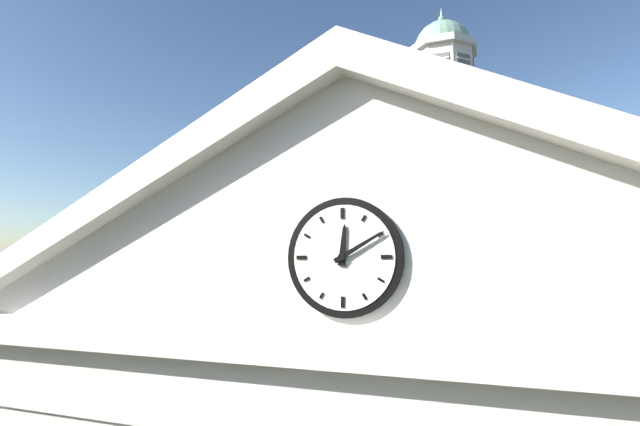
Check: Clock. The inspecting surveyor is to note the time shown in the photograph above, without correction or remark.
12:10
